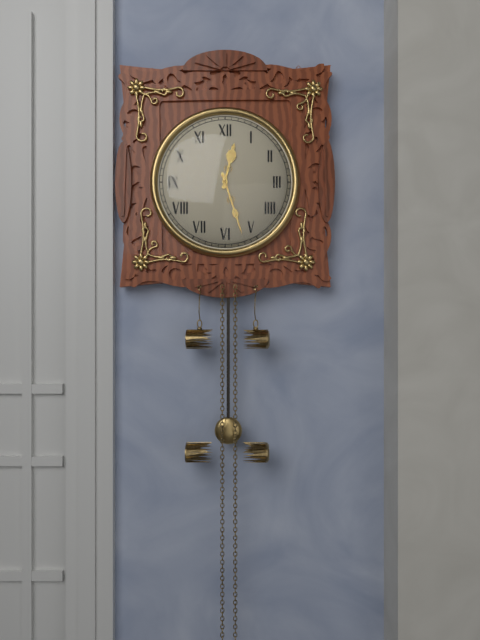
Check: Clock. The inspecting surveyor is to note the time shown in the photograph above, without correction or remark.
12:27
